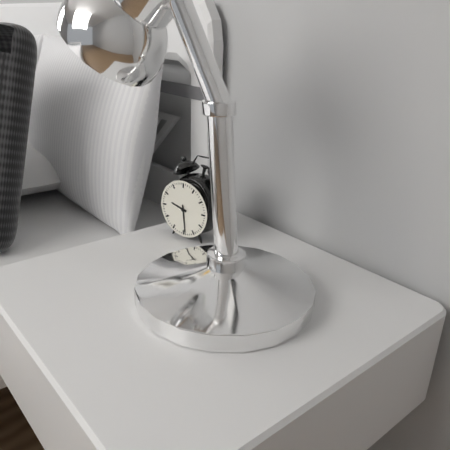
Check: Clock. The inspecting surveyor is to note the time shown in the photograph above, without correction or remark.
9:29
